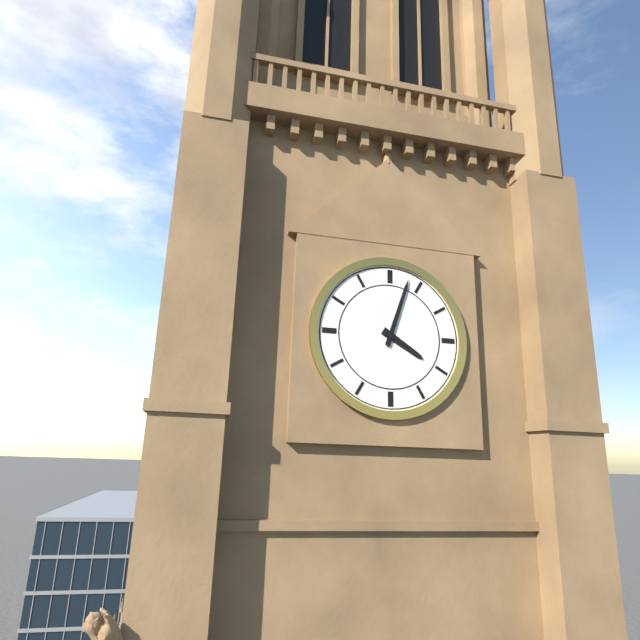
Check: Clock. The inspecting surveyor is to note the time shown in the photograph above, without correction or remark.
4:03
